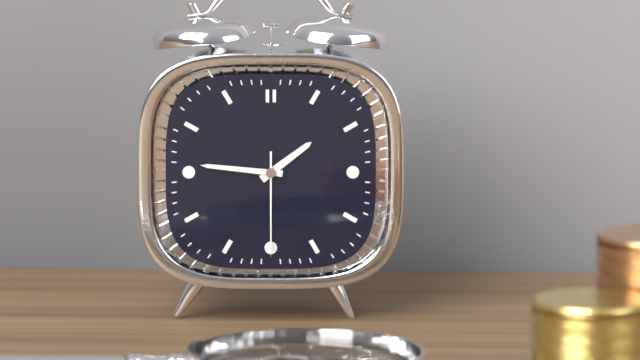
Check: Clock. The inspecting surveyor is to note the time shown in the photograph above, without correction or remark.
1:46:30
